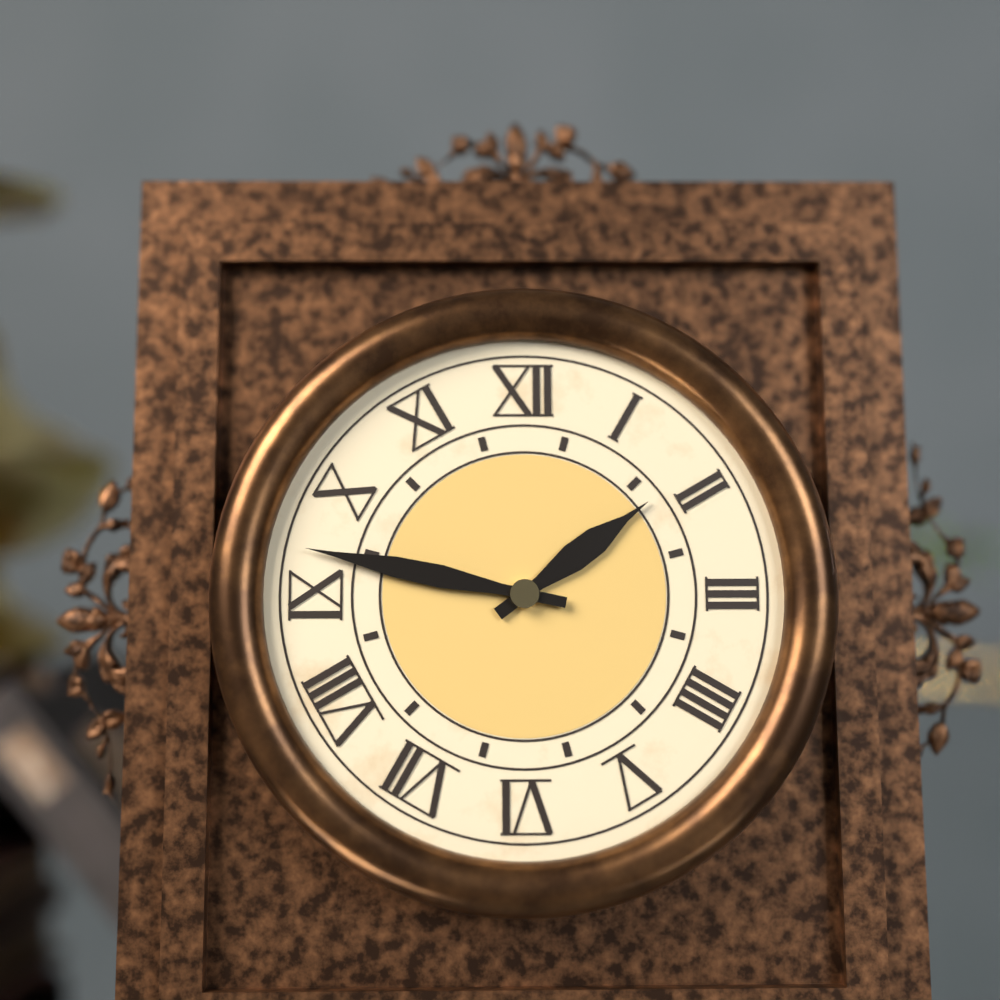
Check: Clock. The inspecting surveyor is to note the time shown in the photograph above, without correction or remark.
1:47
